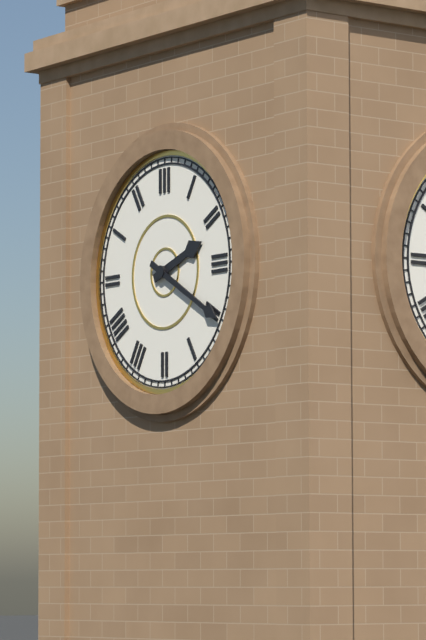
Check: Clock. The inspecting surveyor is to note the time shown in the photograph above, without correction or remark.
2:20
